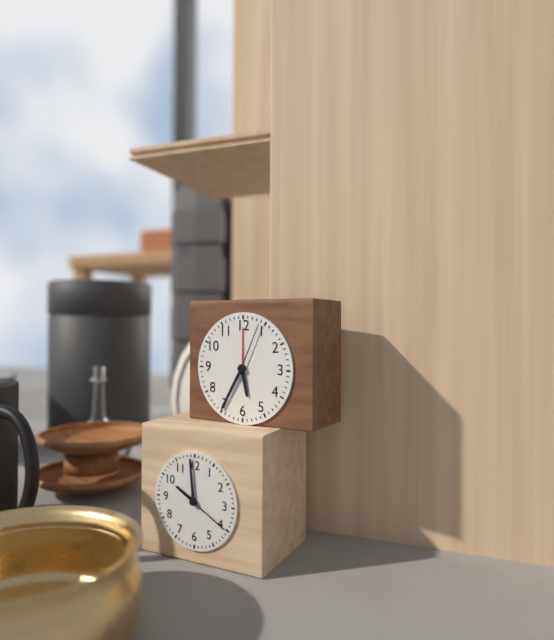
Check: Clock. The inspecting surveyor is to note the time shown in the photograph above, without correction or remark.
5:35:04
